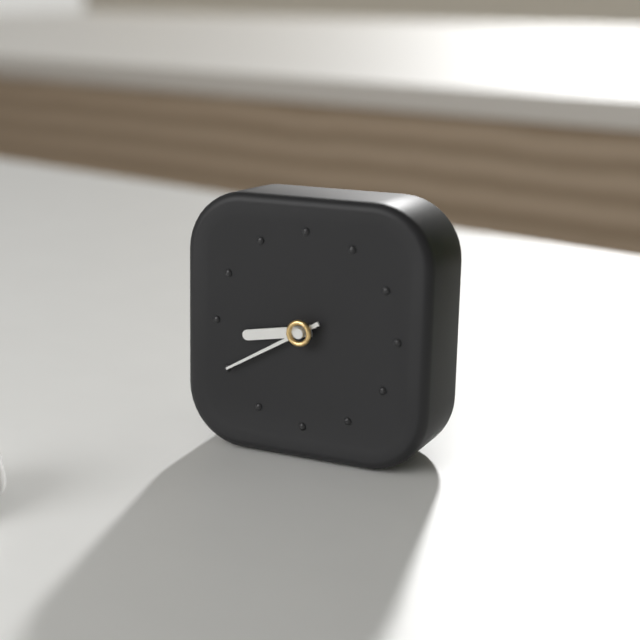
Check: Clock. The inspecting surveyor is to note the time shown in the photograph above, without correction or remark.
8:40
